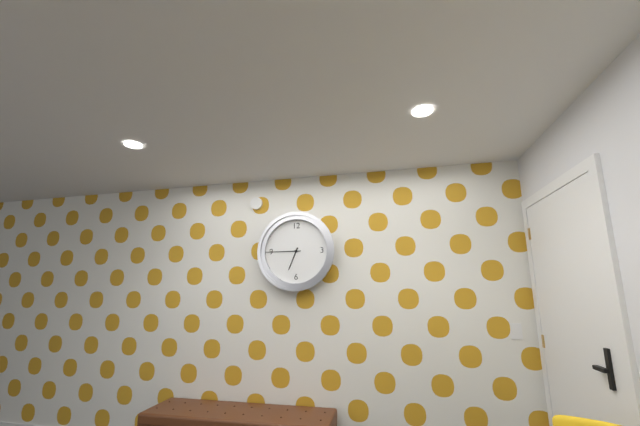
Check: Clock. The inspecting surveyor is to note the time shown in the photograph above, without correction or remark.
6:45
